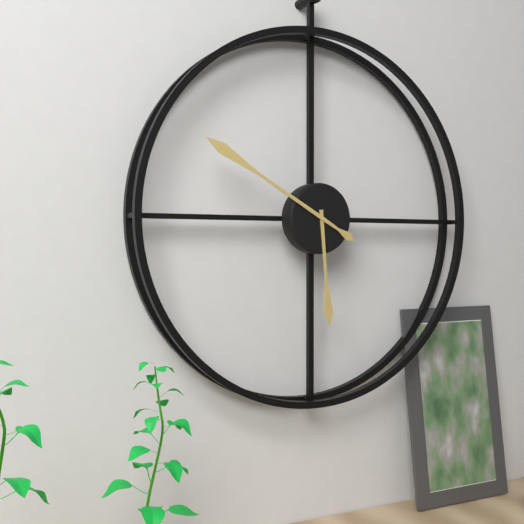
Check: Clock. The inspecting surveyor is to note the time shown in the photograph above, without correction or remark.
5:50
